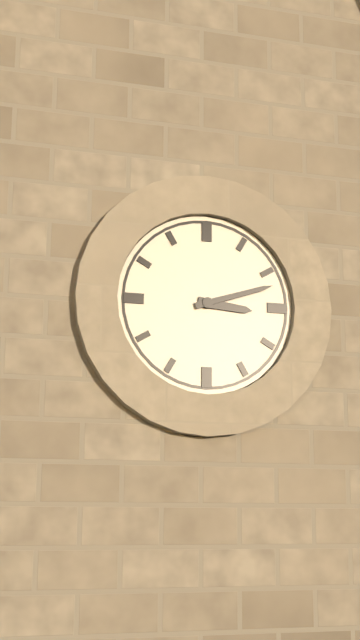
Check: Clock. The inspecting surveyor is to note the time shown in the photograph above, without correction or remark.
3:12
